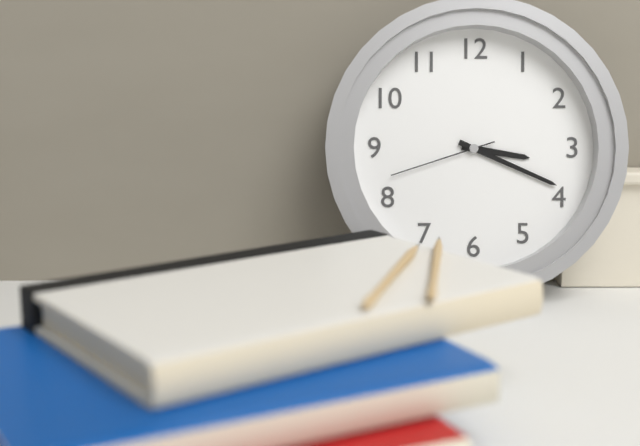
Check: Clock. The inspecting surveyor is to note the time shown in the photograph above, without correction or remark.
3:19:42
